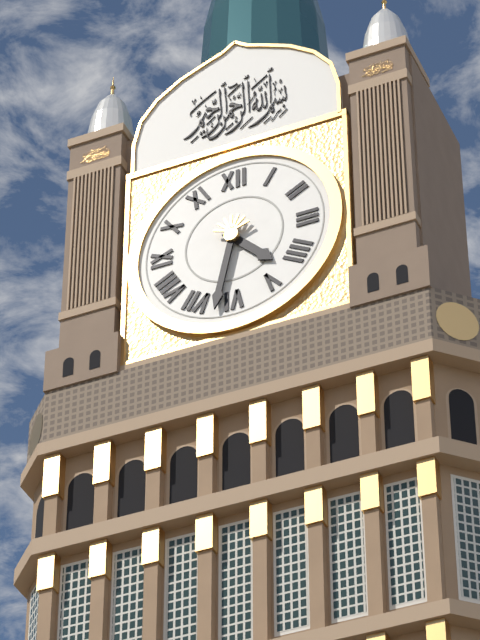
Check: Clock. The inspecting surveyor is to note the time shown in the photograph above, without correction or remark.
4:32
